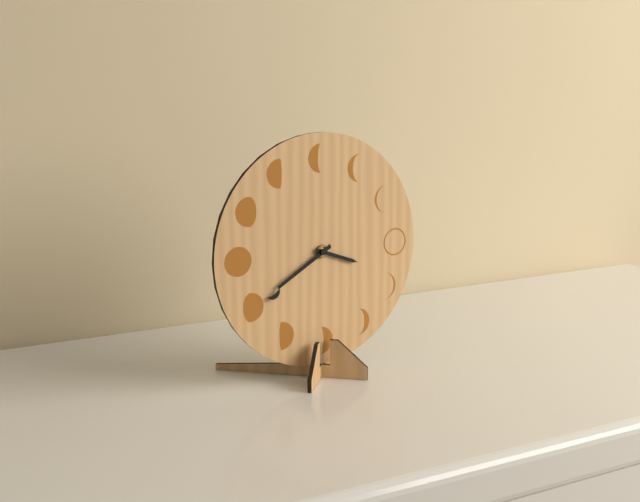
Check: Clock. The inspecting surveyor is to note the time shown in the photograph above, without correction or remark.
3:40
